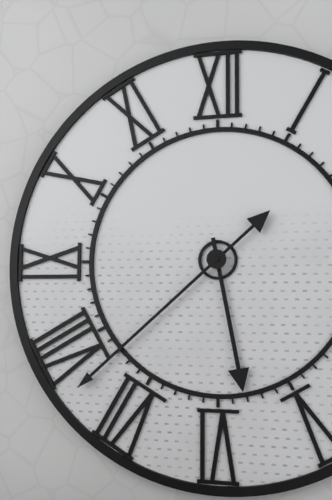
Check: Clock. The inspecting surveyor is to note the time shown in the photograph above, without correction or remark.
5:38
